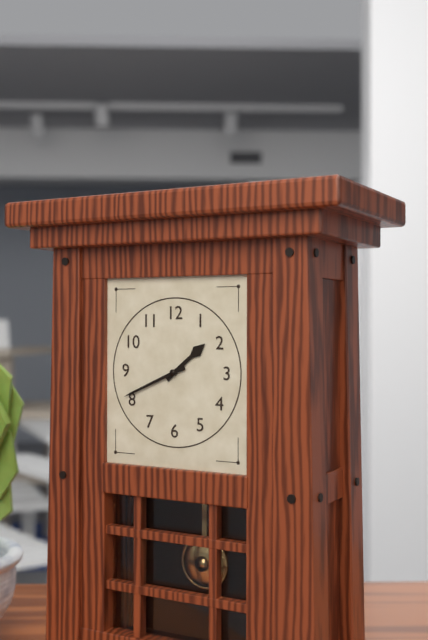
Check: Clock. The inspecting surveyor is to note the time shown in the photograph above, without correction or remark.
1:41
